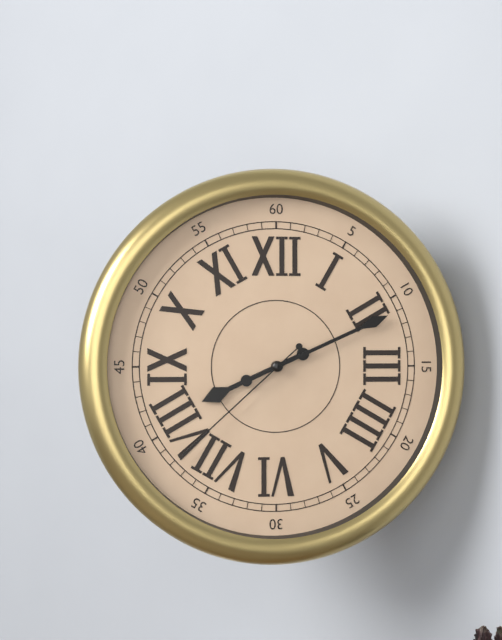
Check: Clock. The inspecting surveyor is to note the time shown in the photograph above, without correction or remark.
8:11:38
